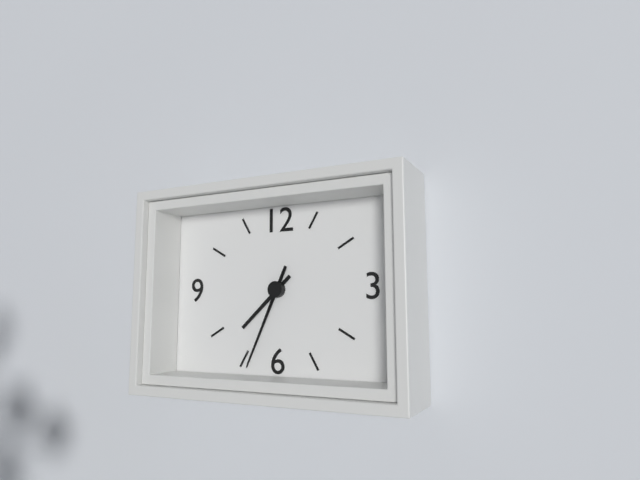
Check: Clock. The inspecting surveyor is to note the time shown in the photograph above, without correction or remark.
7:34:34
